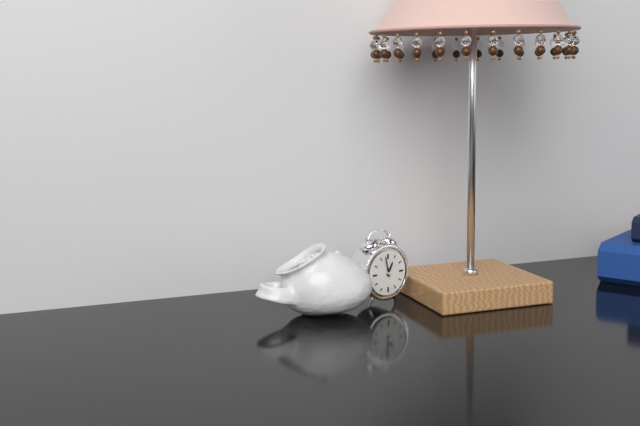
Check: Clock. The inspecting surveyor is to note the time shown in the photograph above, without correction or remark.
12:58
